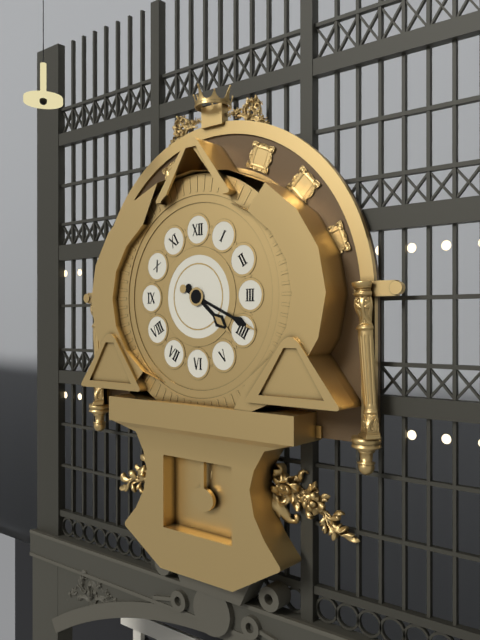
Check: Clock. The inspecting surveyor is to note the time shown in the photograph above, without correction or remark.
4:19
